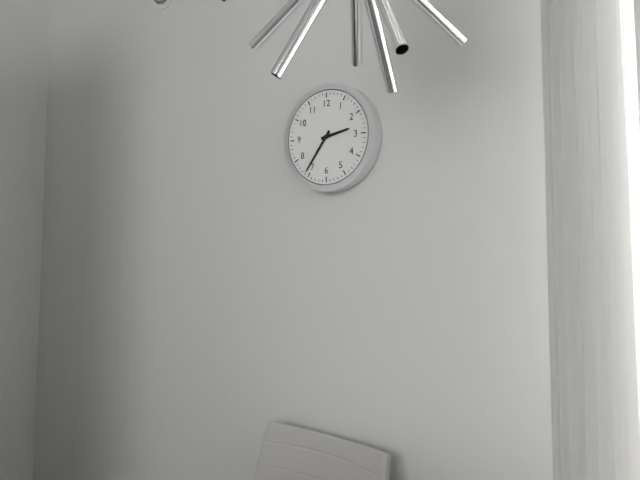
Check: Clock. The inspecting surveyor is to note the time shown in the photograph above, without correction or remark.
2:36
